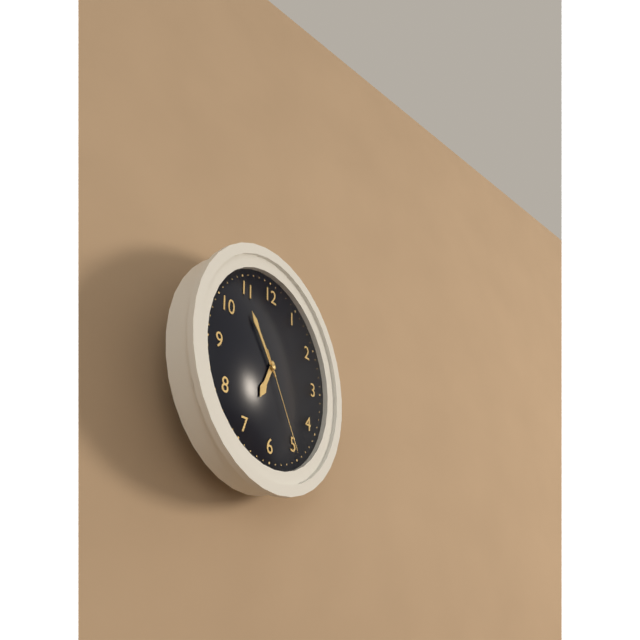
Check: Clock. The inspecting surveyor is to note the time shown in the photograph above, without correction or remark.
6:54:25
